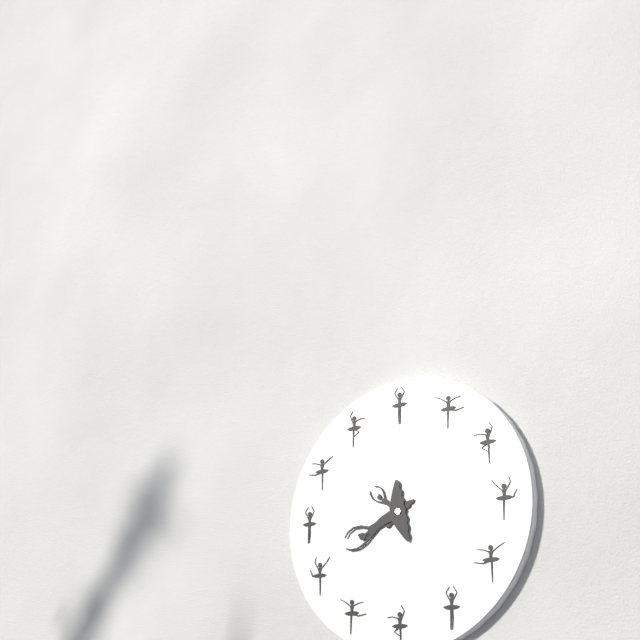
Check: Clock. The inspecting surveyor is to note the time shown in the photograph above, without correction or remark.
10:43
